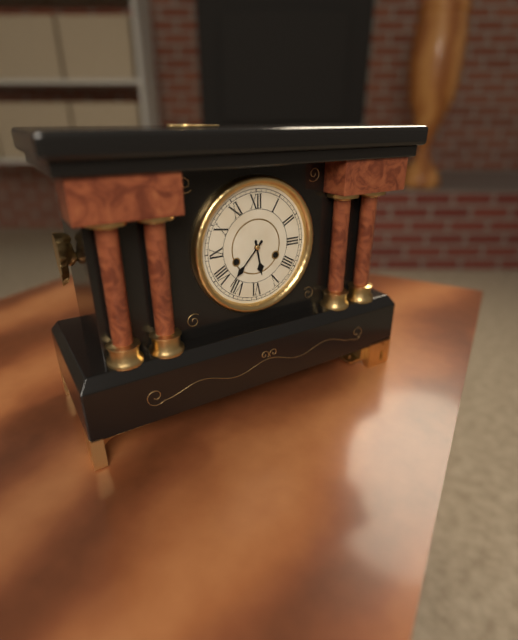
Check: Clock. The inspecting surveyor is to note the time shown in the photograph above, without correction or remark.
5:37
